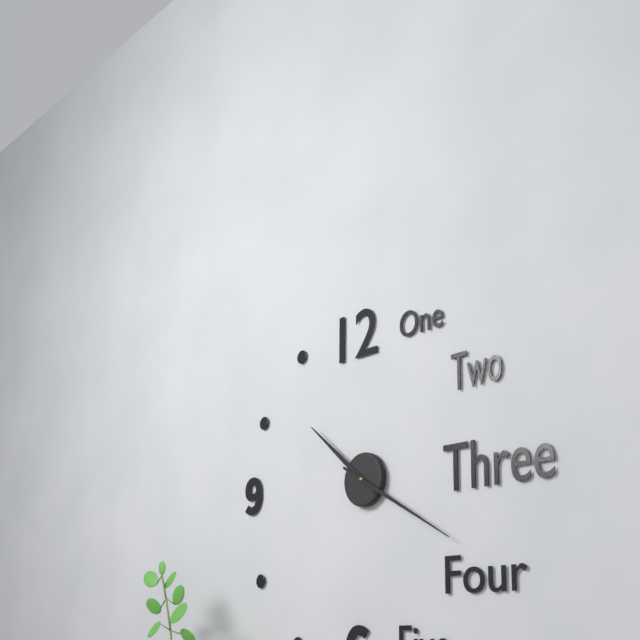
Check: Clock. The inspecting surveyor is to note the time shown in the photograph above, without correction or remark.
10:20
